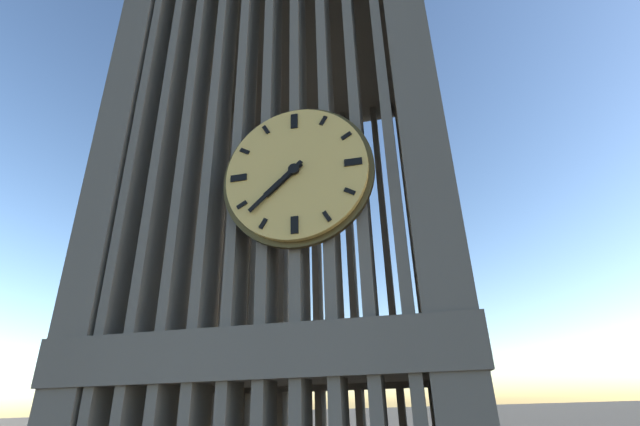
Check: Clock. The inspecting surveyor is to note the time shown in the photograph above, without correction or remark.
7:38
